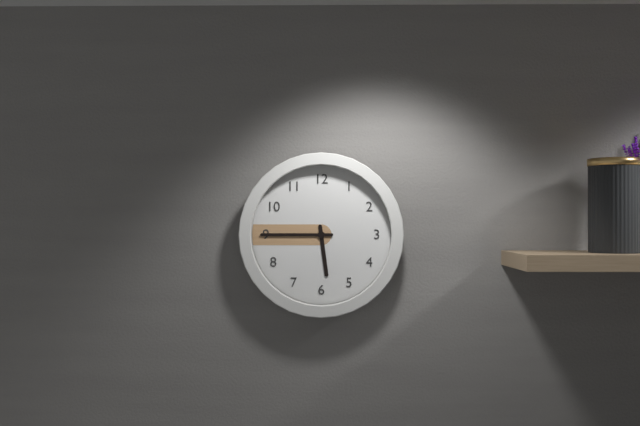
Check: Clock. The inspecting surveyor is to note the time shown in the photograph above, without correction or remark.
5:45
